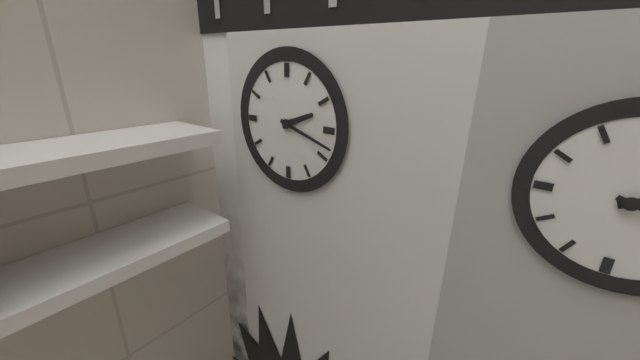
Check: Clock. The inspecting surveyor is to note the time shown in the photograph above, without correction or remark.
2:18
